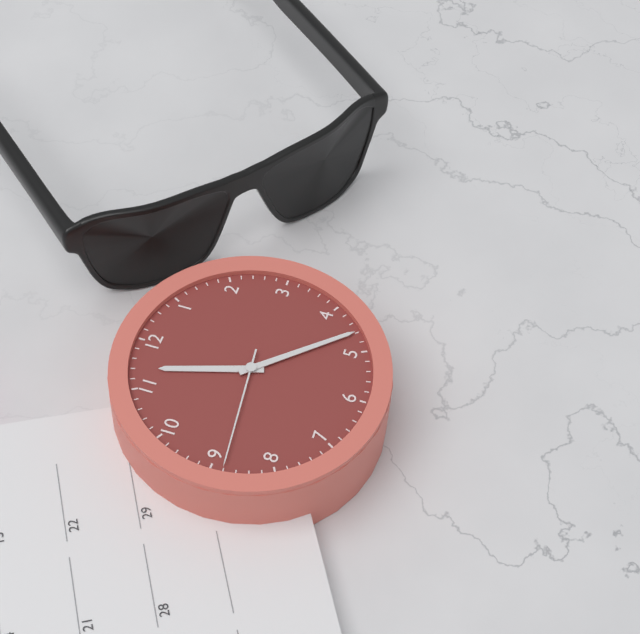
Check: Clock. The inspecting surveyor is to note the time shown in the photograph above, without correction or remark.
11:23:44
